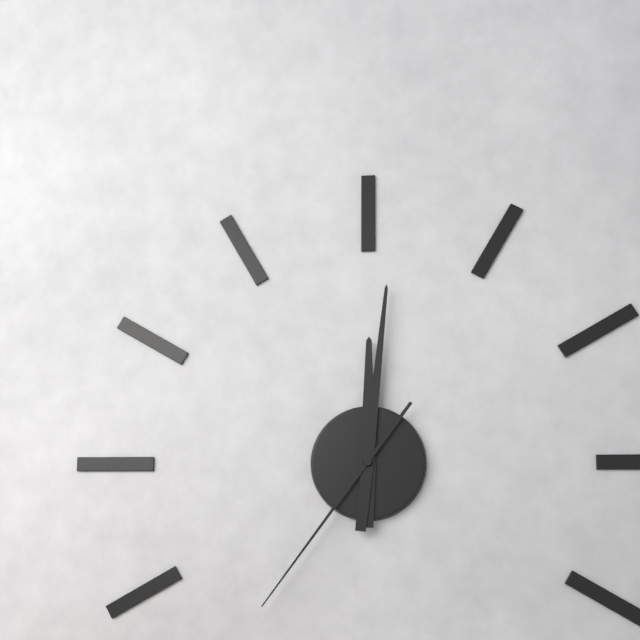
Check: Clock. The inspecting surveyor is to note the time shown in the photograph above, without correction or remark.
12:01:36
